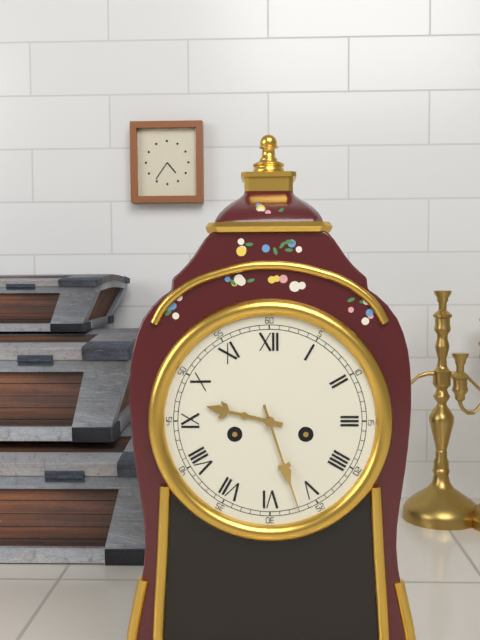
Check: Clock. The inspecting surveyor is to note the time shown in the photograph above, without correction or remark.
9:27
